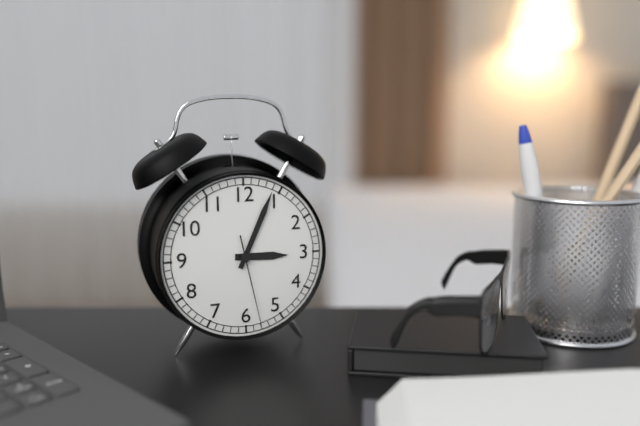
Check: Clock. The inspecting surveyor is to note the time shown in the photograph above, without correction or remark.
3:04:28
